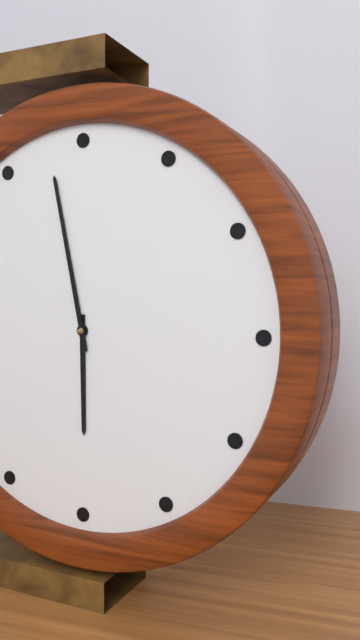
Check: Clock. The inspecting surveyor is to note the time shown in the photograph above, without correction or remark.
5:58
